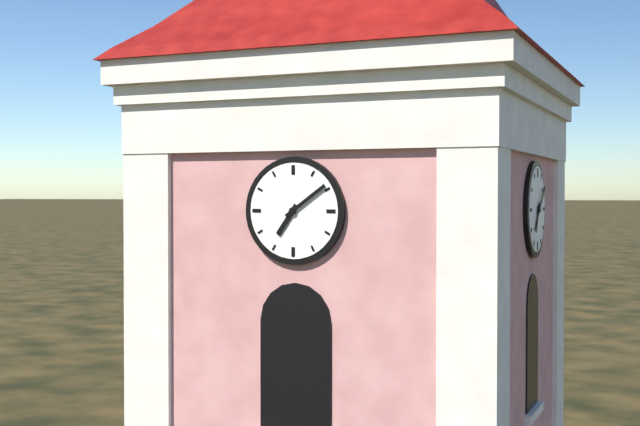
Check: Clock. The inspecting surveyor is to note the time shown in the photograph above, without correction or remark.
7:09
